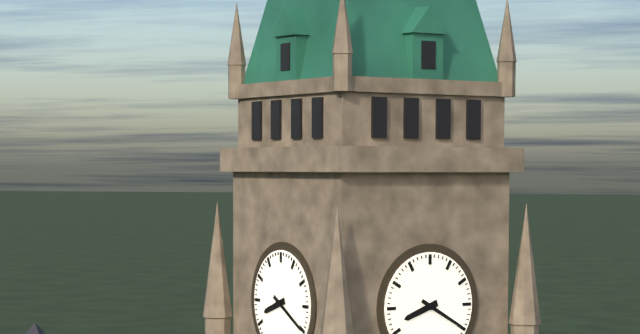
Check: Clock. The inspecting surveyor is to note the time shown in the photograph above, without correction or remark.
8:20
